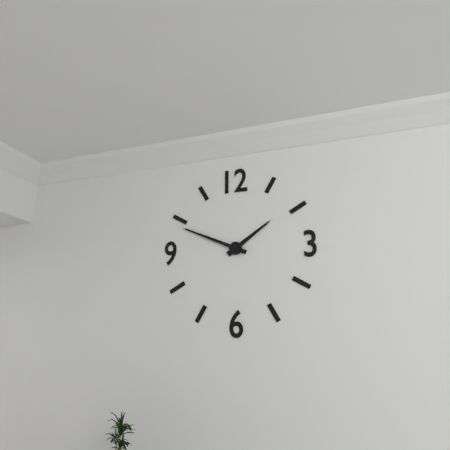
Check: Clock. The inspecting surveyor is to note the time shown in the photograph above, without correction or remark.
1:49
